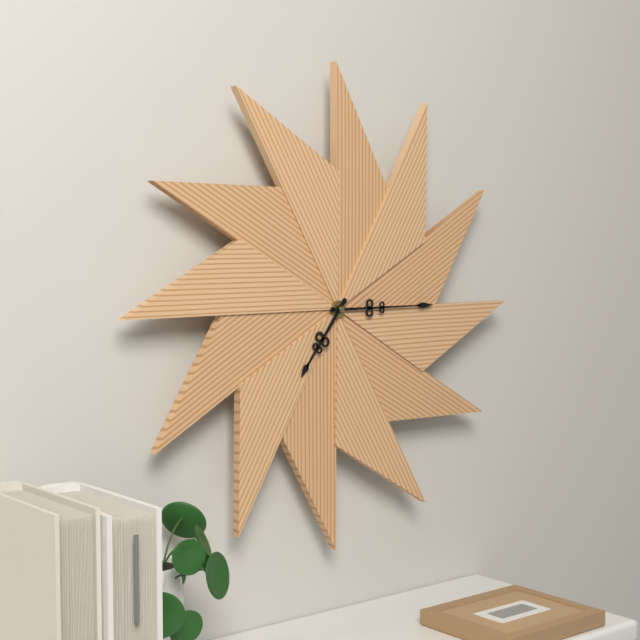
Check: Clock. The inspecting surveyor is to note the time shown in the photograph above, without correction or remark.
7:15
